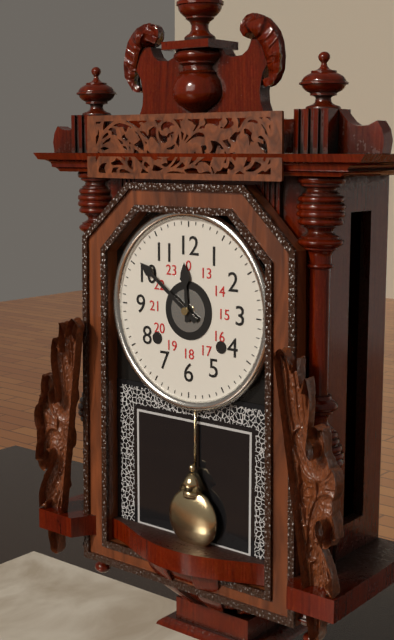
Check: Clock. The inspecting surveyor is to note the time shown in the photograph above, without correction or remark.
11:51
